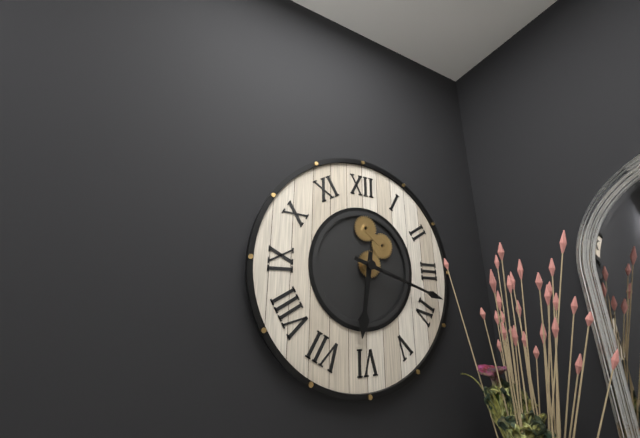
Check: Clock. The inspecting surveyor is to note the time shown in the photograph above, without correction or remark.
6:18
